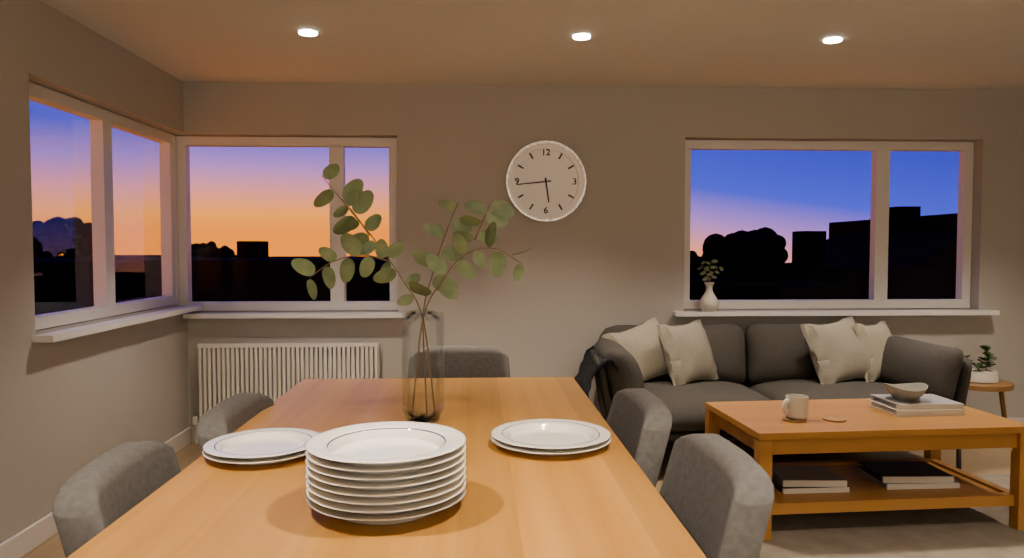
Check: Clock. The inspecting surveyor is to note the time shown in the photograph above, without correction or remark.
5:44
